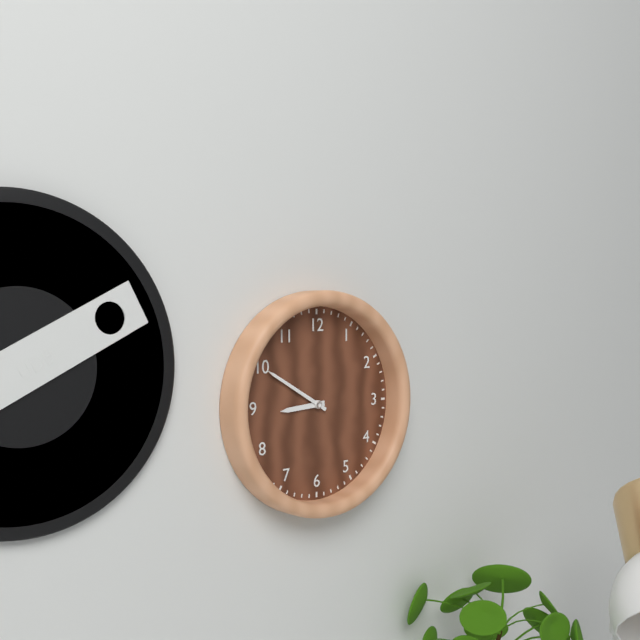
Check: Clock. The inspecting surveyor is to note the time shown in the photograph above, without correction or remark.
8:50
